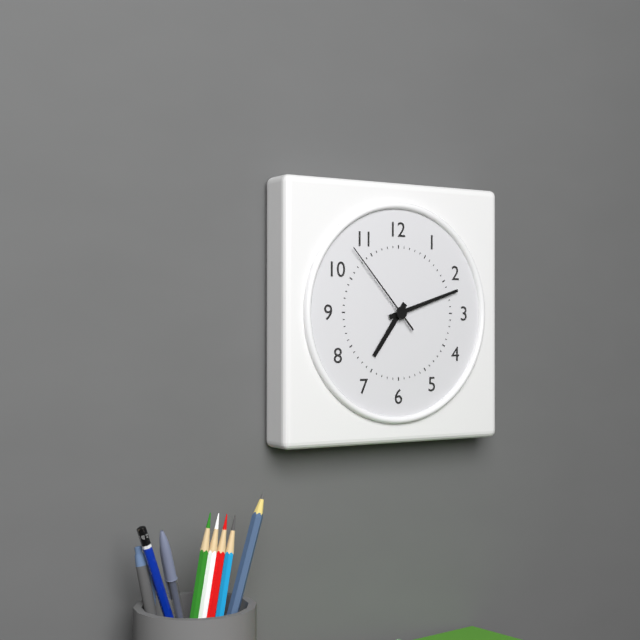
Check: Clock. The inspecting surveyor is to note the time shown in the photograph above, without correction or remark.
7:12:53
